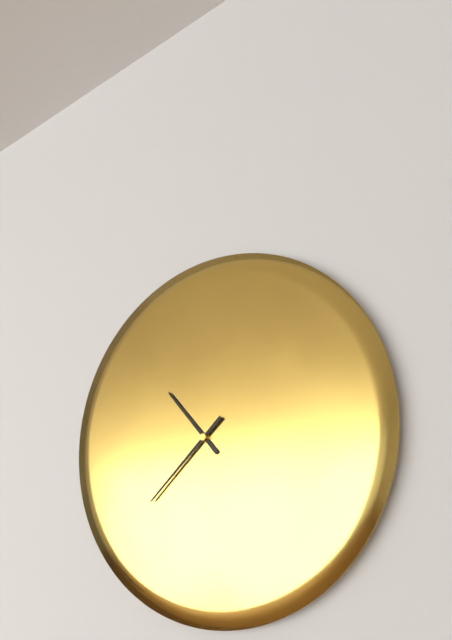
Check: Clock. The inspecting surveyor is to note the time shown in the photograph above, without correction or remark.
10:38
